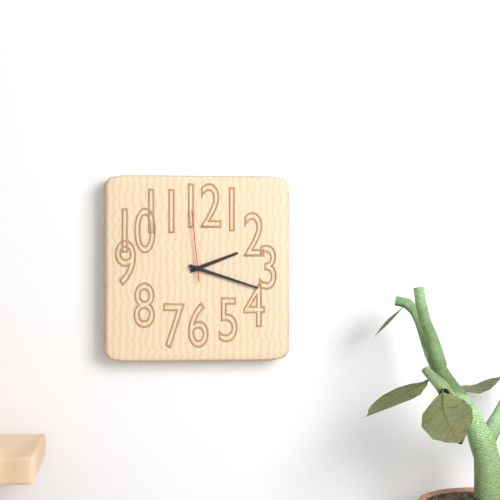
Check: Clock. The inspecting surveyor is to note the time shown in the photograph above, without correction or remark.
2:18:59
